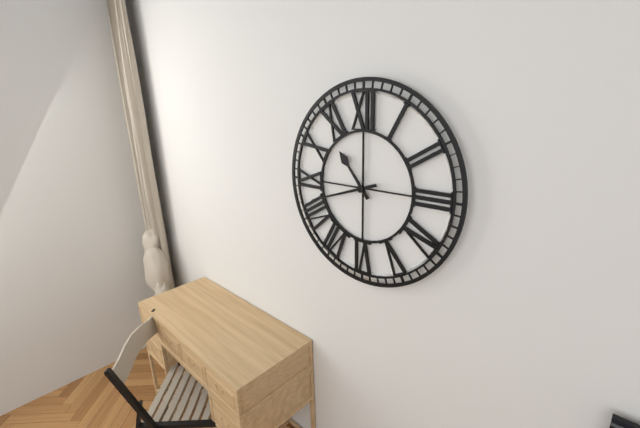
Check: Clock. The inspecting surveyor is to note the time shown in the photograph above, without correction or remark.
10:42
